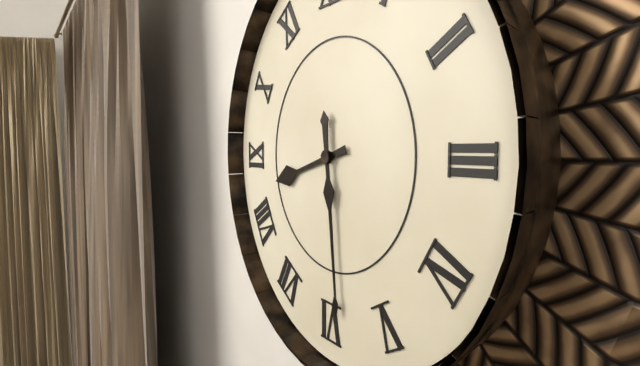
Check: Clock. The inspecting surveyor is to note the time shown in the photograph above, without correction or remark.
8:29
